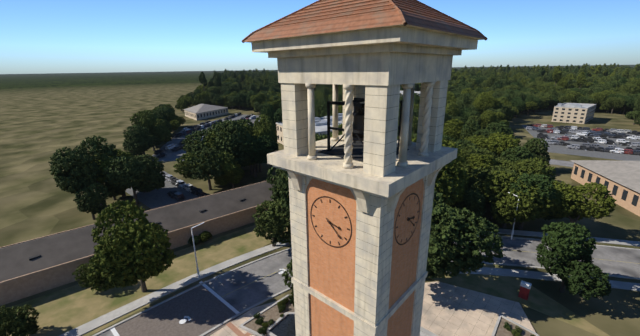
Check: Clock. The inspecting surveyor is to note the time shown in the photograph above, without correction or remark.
3:22
